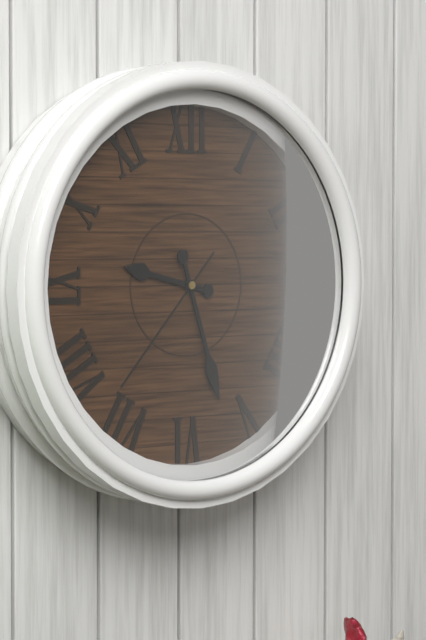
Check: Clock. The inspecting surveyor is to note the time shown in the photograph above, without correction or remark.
9:27:37
